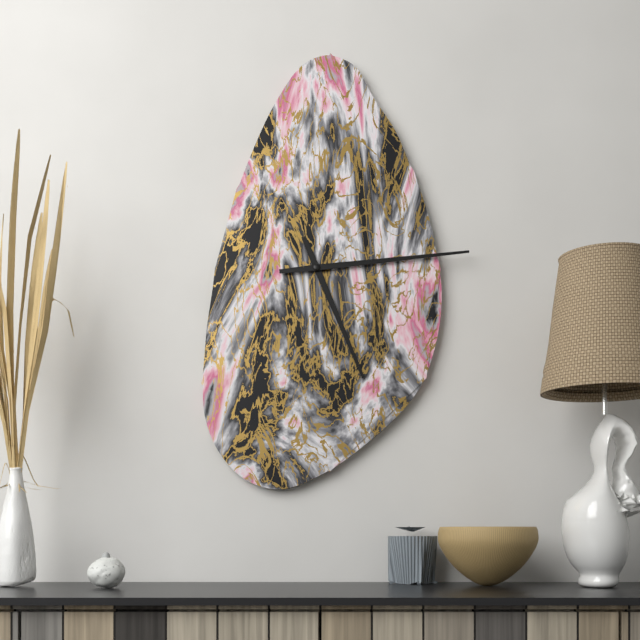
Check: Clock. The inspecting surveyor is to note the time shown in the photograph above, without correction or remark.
5:14
